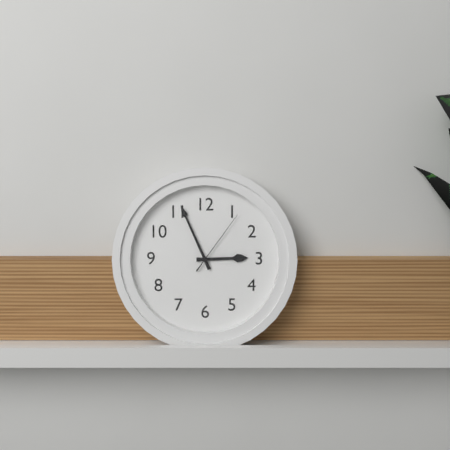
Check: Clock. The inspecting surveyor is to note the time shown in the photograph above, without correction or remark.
2:56:06
